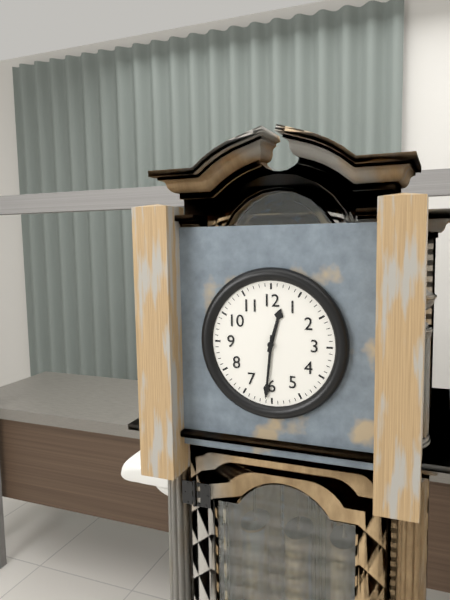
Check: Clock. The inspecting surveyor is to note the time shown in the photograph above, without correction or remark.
12:31
